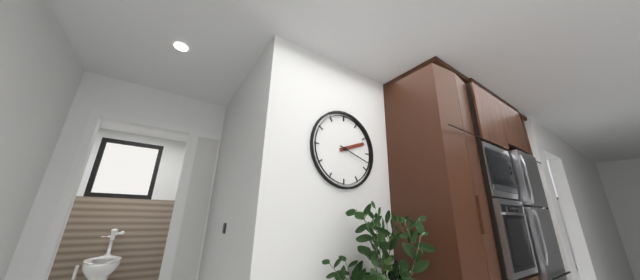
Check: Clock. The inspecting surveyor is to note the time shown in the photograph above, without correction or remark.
2:18
